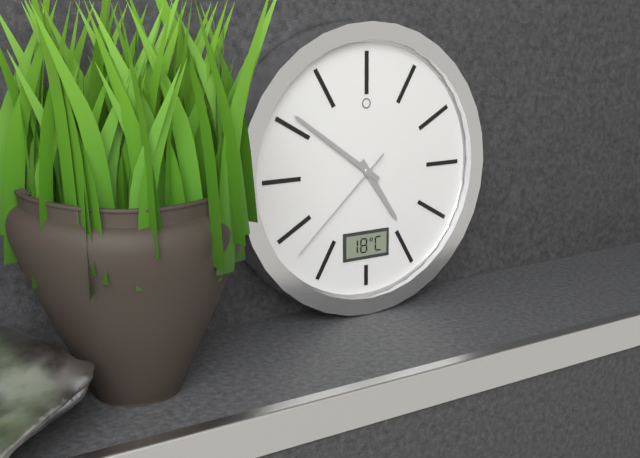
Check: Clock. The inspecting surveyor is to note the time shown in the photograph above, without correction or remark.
4:51:38
